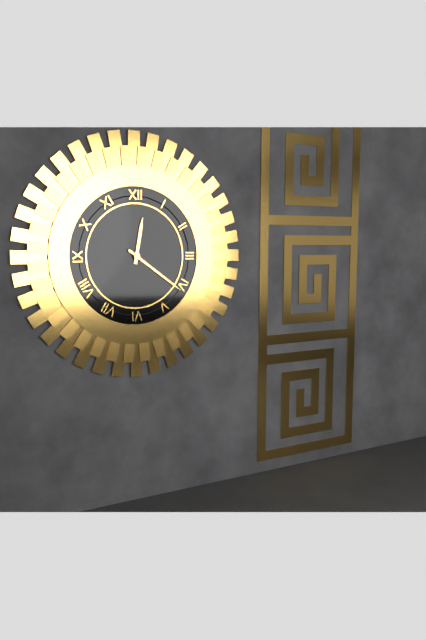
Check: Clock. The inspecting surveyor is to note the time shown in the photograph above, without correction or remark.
12:21
